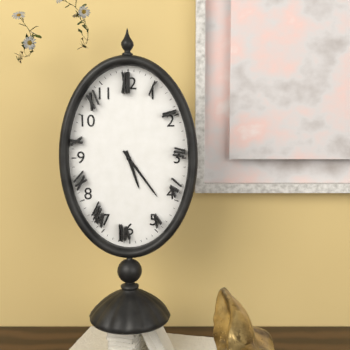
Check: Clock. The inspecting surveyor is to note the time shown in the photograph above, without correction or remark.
5:24
